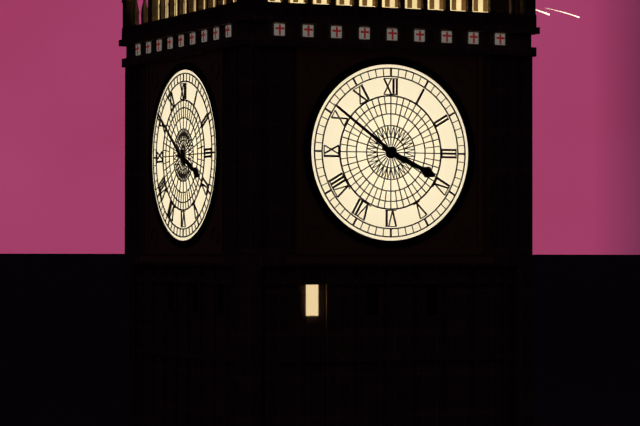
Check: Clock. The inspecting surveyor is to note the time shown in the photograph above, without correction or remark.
3:51
